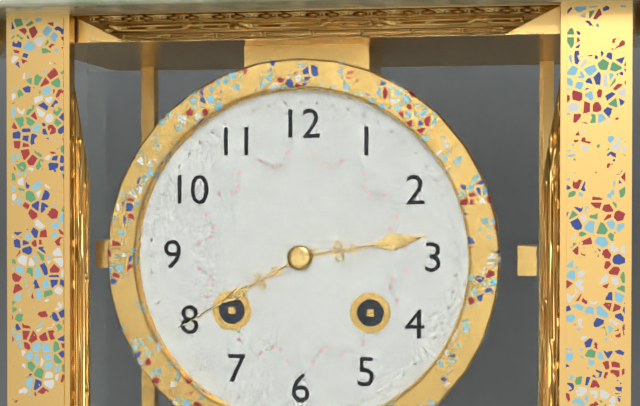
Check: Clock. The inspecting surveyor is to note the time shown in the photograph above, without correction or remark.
2:40
